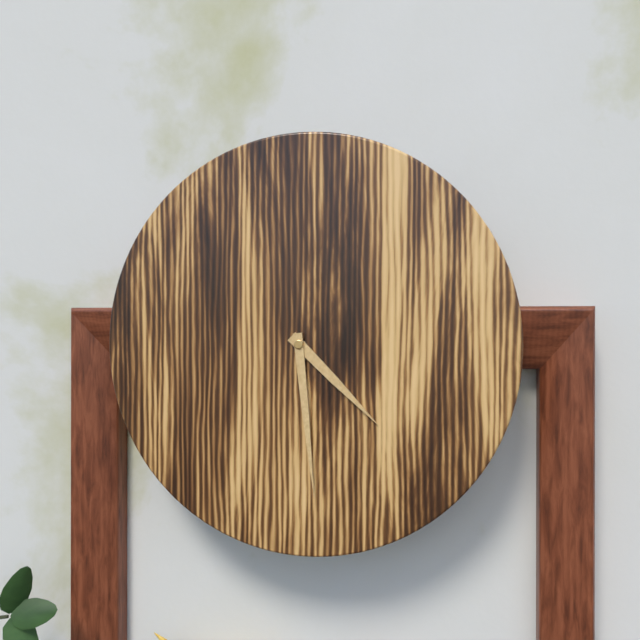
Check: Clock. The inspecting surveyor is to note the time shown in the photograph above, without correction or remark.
4:29
